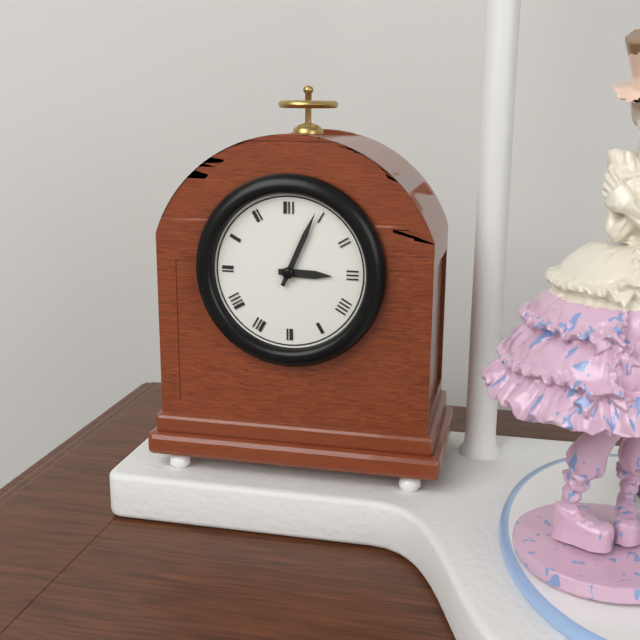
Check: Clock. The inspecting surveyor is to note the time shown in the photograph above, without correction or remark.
3:04
